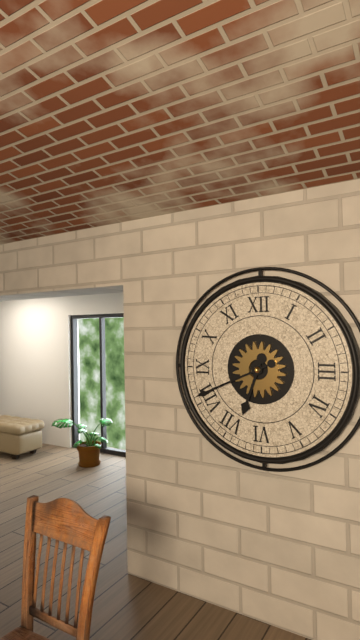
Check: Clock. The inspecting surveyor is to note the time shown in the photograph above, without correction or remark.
6:41
